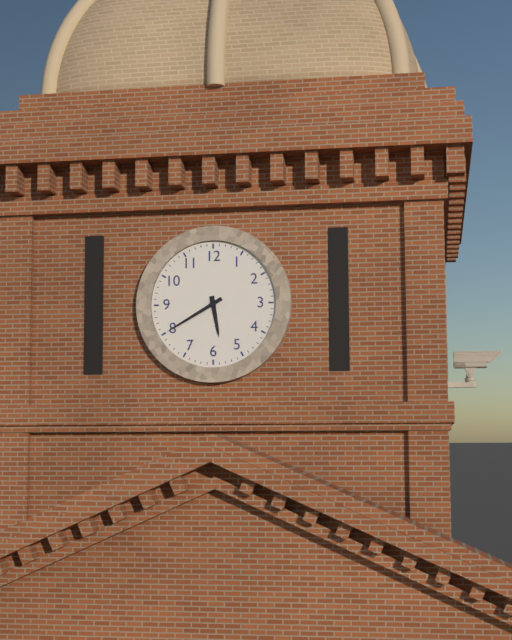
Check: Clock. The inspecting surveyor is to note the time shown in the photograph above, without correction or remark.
5:40
